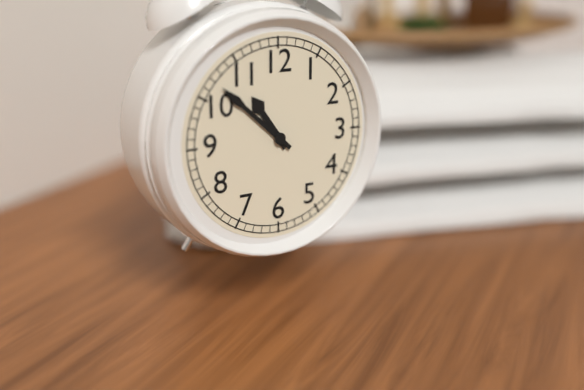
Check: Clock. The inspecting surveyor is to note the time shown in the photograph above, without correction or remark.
10:52
